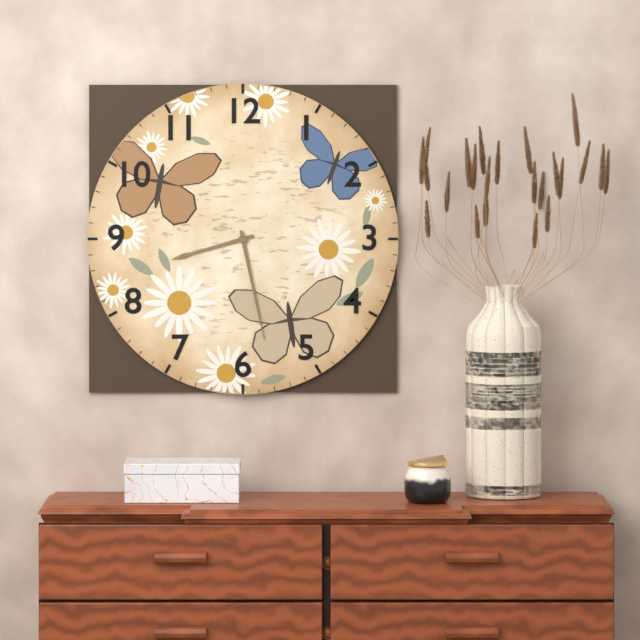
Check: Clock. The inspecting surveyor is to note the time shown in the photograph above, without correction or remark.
8:28
